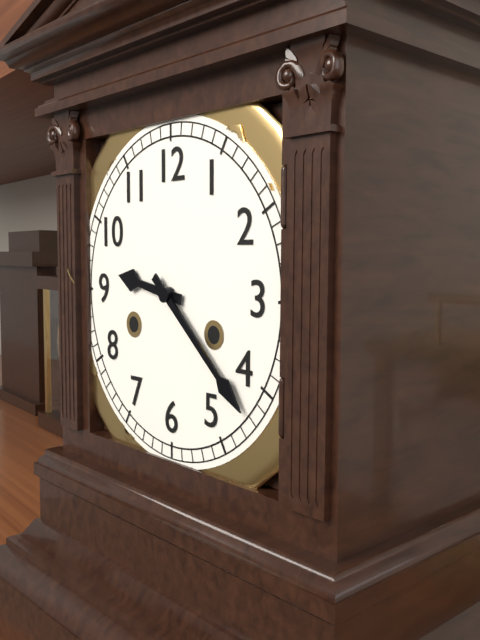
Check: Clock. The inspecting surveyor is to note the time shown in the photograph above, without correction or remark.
9:22
